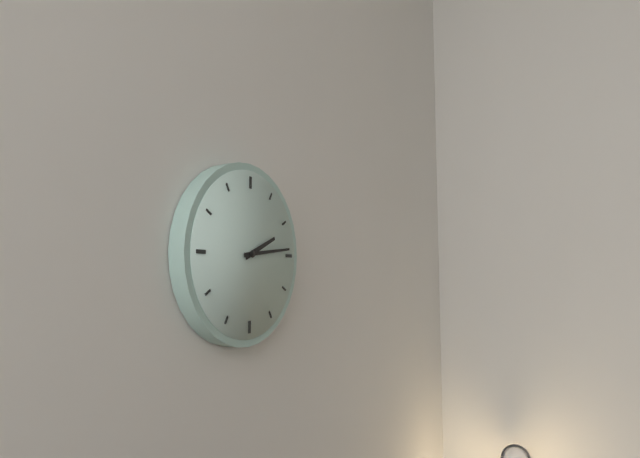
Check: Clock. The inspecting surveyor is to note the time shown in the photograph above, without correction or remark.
2:14
